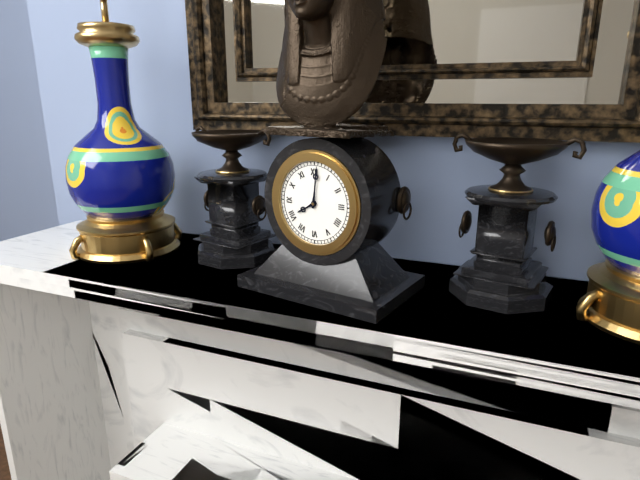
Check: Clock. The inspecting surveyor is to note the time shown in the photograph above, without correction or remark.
8:01
